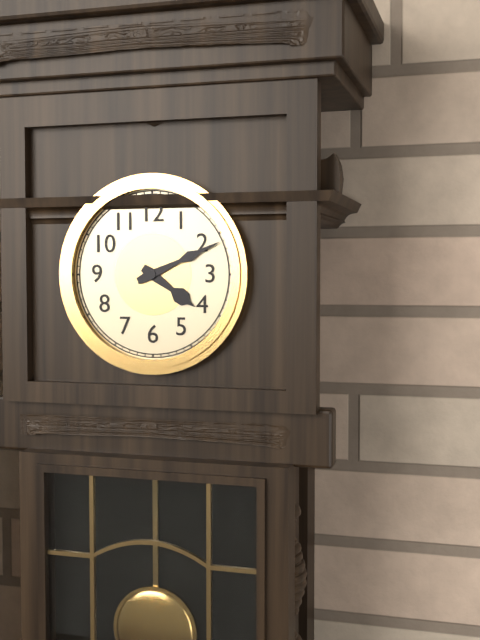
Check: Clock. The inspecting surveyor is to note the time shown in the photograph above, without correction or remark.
4:11
